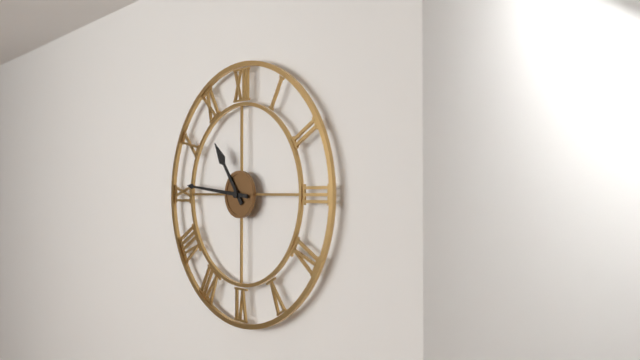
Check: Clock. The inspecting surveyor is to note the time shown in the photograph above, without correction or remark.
10:46
